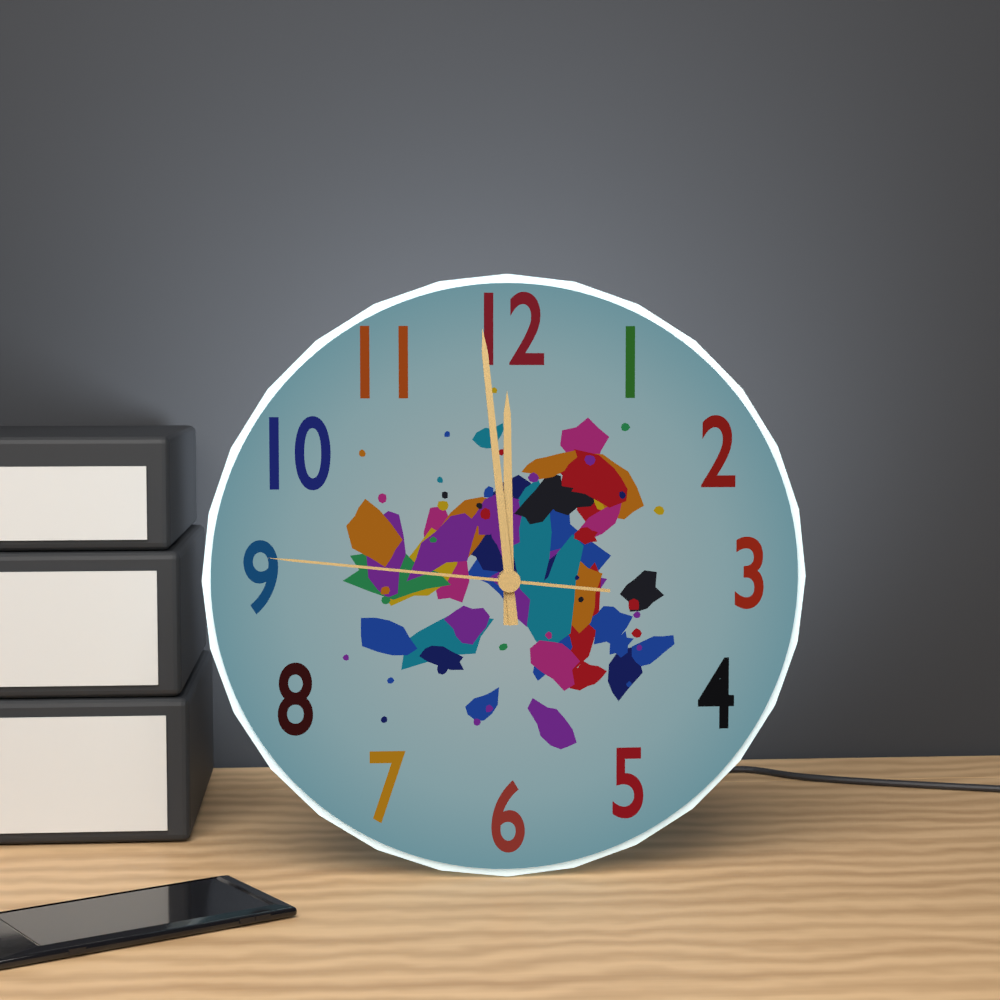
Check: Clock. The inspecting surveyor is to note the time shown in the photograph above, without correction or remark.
11:59:46
